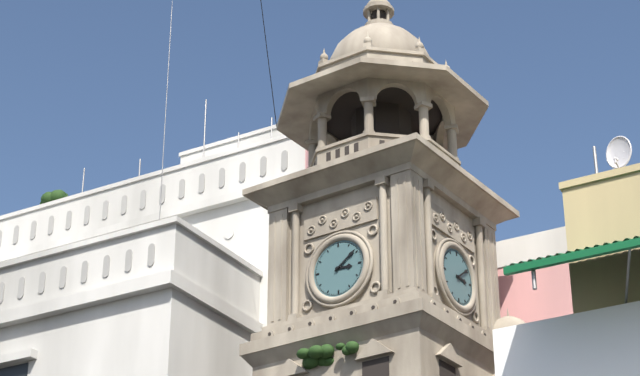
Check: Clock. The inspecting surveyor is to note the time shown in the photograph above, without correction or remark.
3:09
